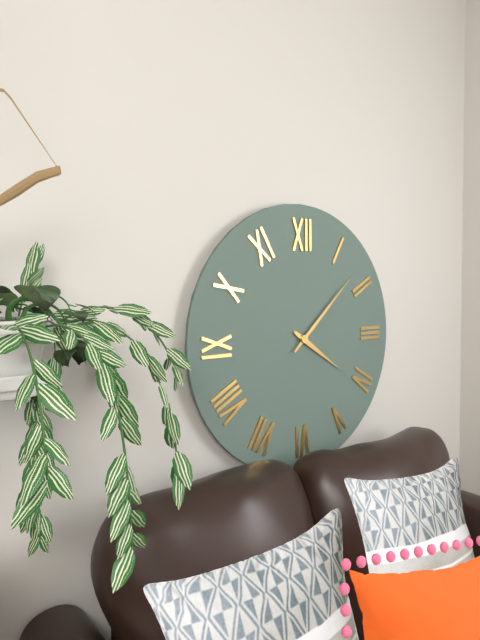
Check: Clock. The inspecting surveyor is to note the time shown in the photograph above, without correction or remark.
4:08
